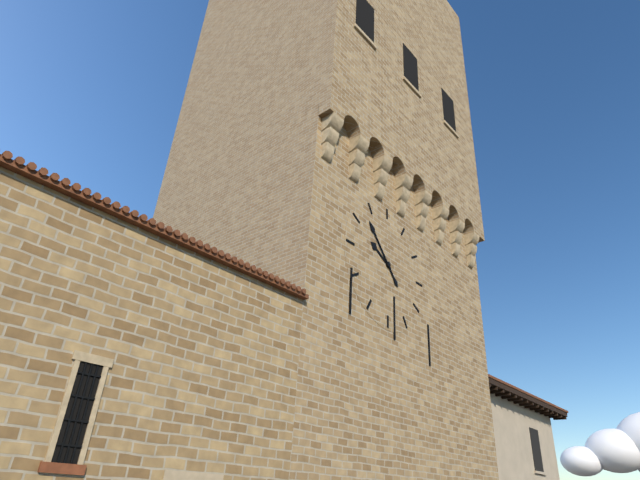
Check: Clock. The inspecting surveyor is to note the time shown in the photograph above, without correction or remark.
9:53
